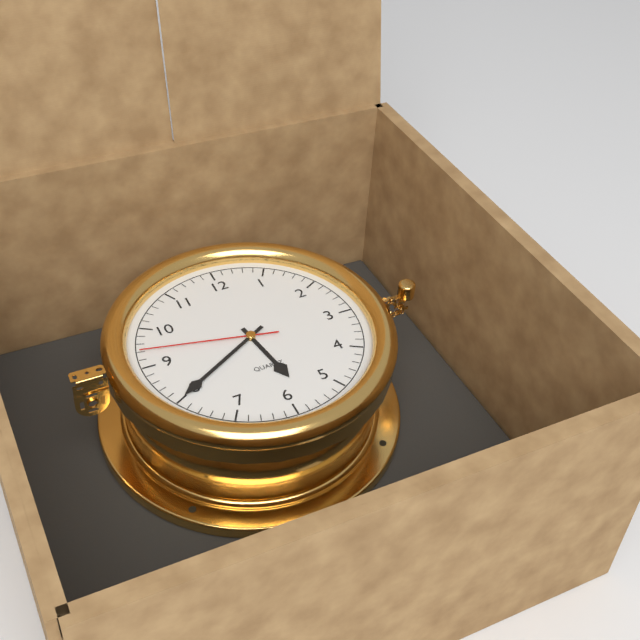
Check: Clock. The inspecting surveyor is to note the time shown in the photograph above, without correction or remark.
5:40:47
